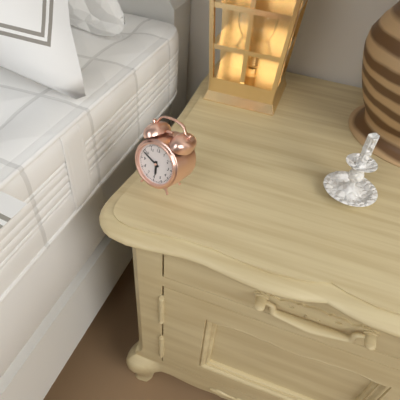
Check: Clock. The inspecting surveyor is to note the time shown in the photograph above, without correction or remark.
5:49
